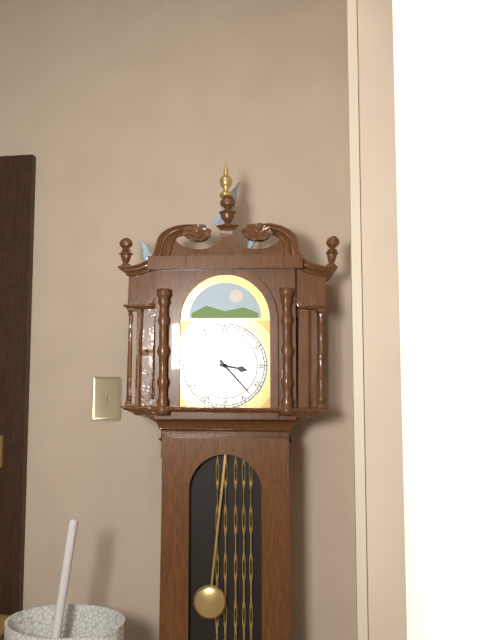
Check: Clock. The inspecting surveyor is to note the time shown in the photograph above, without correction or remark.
3:23
